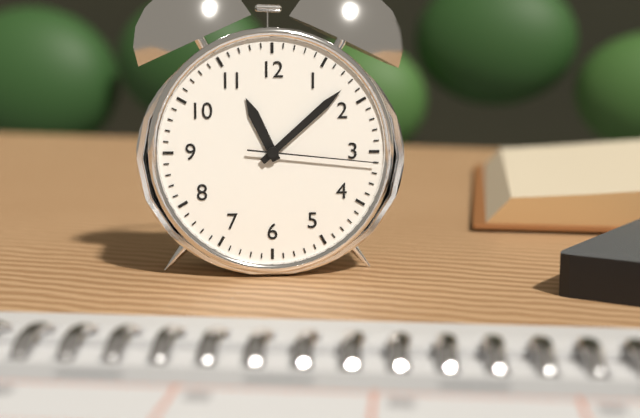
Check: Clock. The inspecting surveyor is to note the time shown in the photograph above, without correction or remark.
11:08:16
